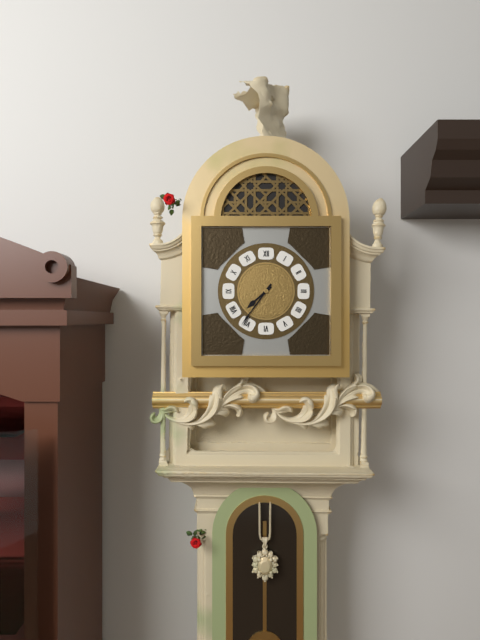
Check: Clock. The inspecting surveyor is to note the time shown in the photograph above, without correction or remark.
7:36
